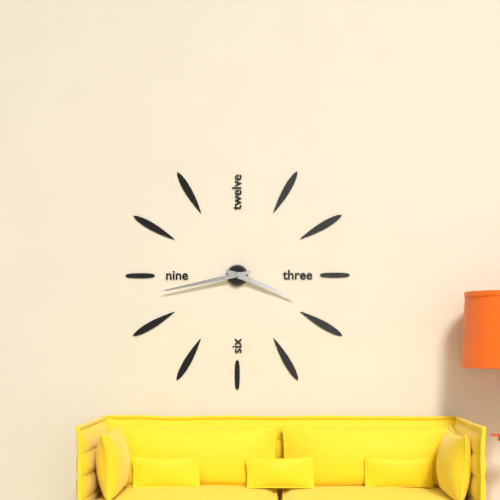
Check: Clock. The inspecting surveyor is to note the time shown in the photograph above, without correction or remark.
3:43
